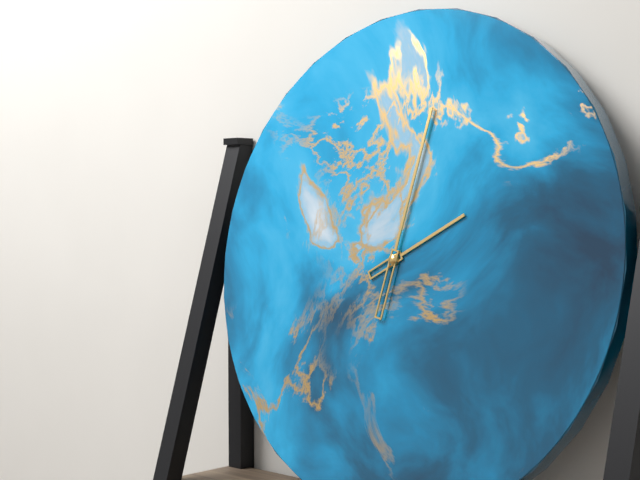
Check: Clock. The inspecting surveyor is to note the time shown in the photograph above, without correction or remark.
2:02
